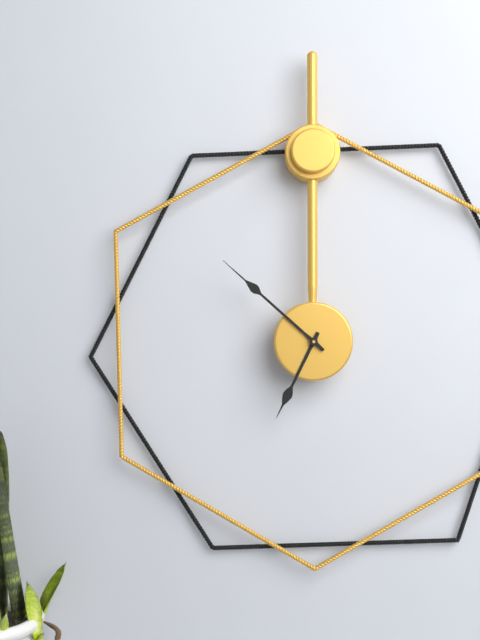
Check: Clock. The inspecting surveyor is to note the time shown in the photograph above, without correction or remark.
6:52
